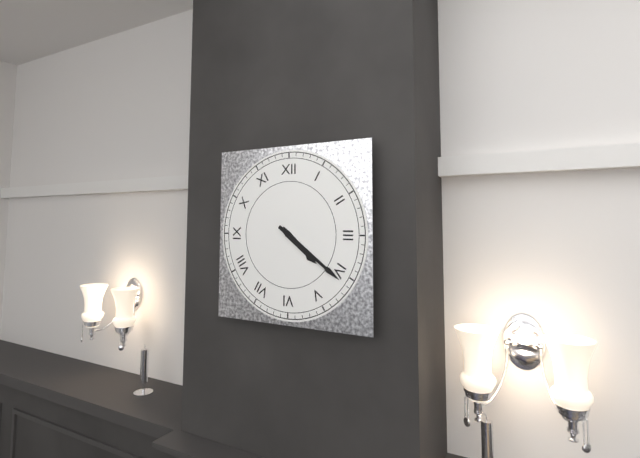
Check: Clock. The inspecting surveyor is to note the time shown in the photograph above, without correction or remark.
4:21
